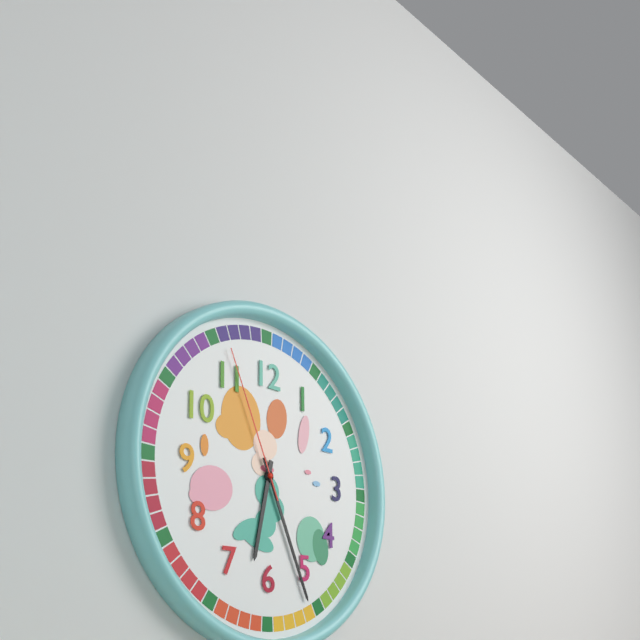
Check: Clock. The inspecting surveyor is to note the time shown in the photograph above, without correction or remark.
6:26:56
